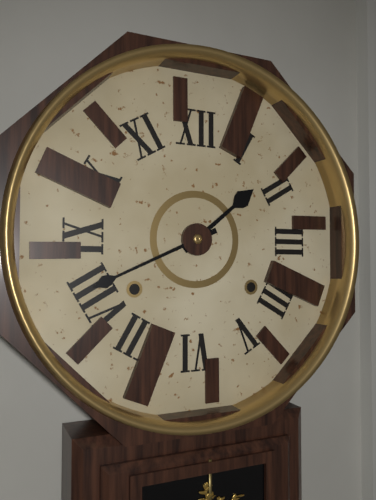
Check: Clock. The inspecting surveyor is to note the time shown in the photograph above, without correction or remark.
1:41
